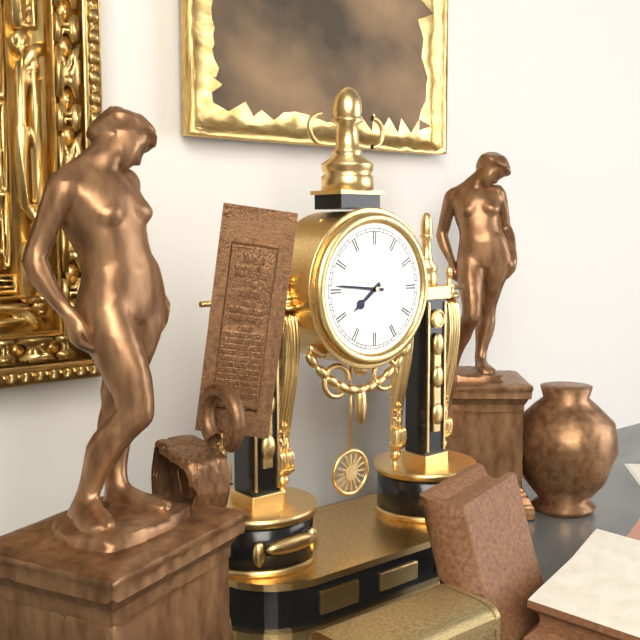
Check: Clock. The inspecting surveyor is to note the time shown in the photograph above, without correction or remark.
7:46
